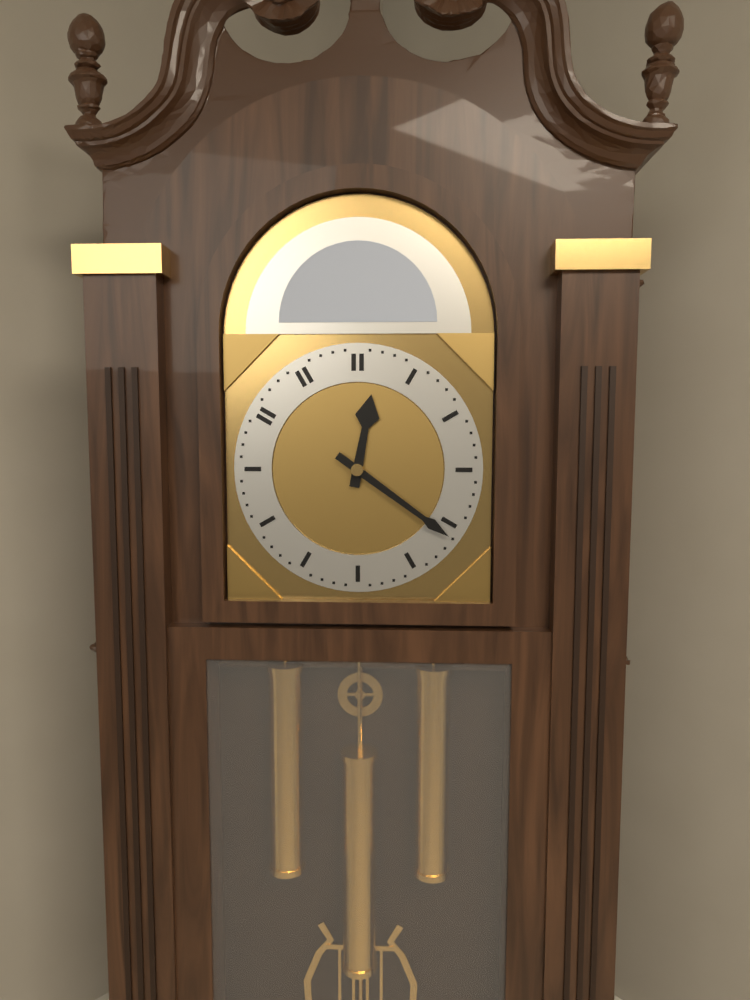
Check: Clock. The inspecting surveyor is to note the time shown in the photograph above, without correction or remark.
12:21
